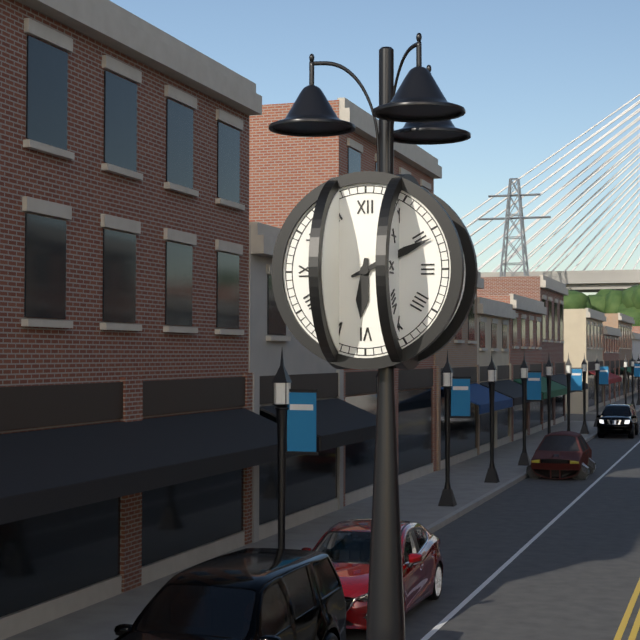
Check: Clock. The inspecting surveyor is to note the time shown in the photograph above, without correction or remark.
6:11
